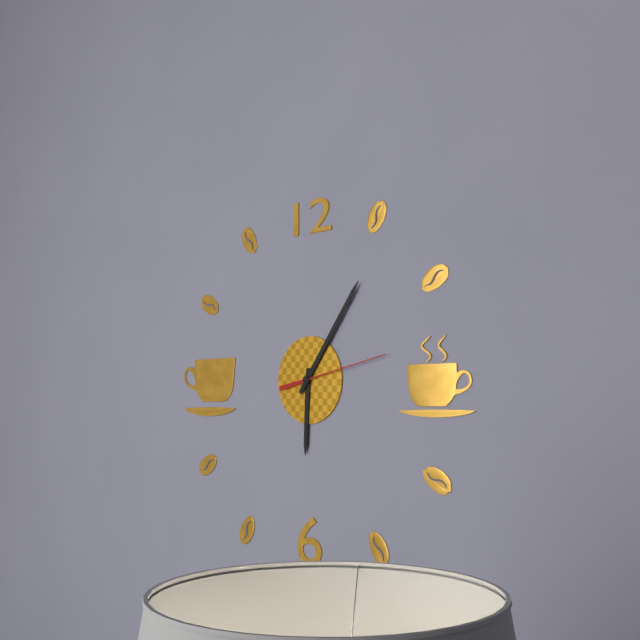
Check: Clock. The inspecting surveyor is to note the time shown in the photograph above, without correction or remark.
6:06:13
